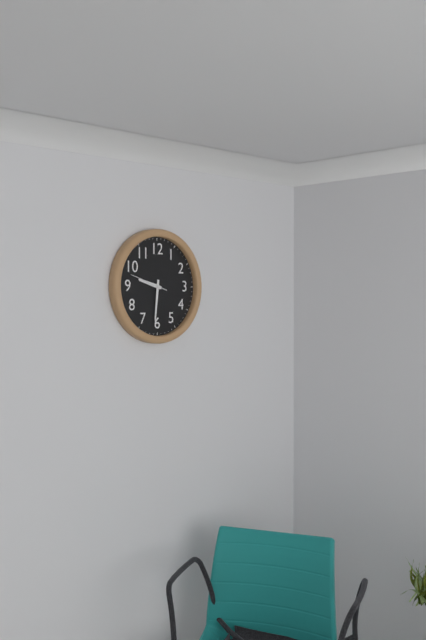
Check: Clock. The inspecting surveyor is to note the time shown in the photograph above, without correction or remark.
9:31
